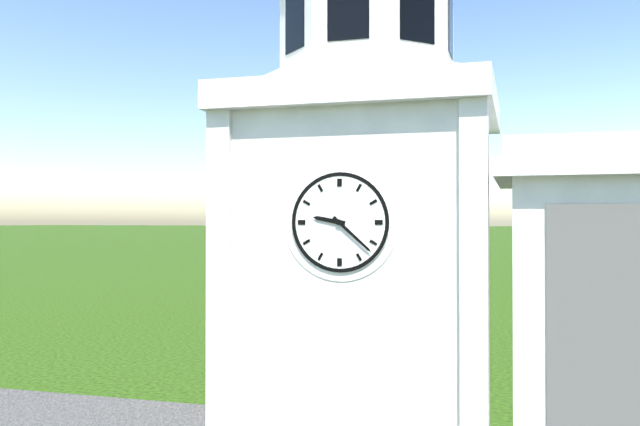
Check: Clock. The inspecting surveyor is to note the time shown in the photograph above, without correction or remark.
9:22
